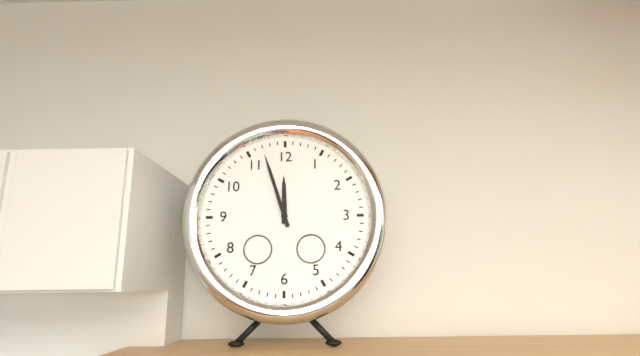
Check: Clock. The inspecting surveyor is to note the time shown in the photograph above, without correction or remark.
11:57
